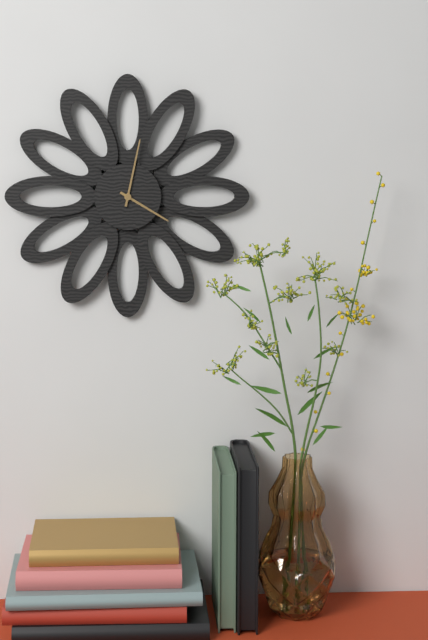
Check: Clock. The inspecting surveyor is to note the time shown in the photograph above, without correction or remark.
4:02
